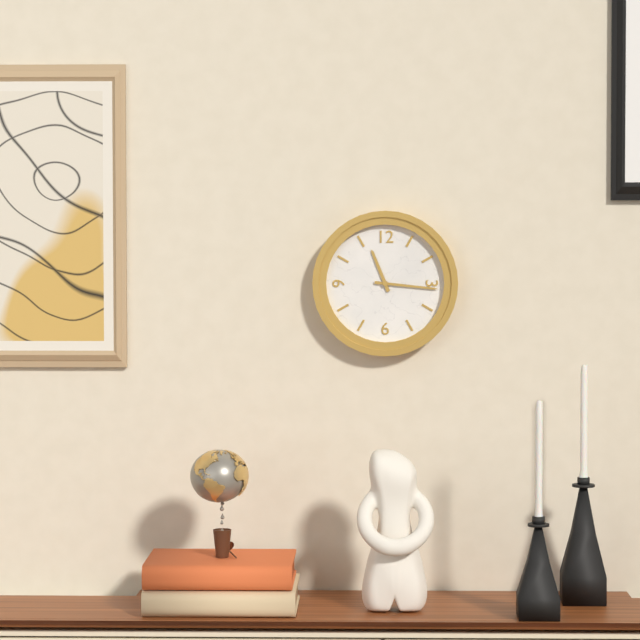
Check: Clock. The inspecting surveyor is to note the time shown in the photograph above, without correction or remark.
11:16
